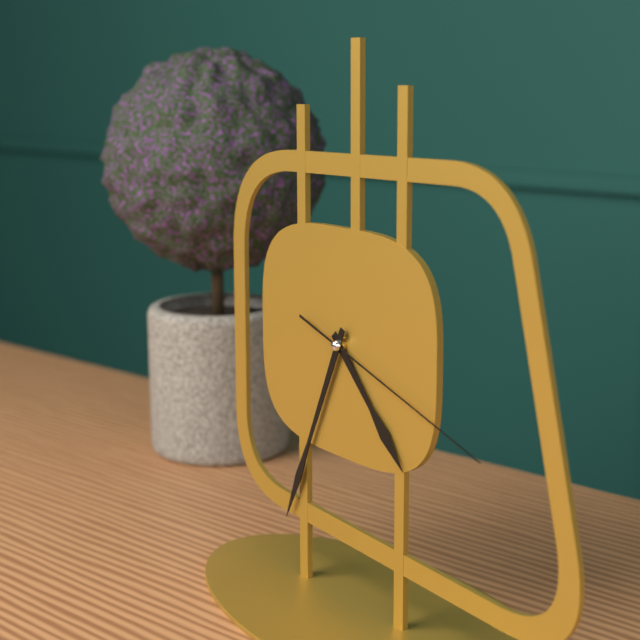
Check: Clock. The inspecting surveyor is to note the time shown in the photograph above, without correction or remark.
4:34:18
